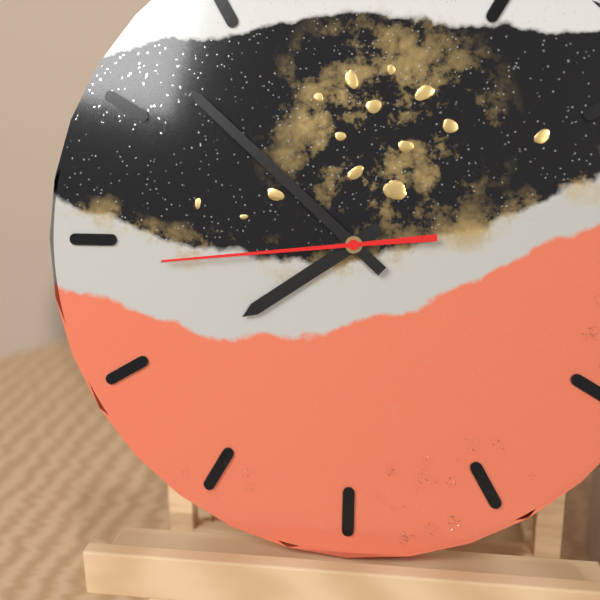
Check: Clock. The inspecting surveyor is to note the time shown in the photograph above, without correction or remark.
7:52:44
